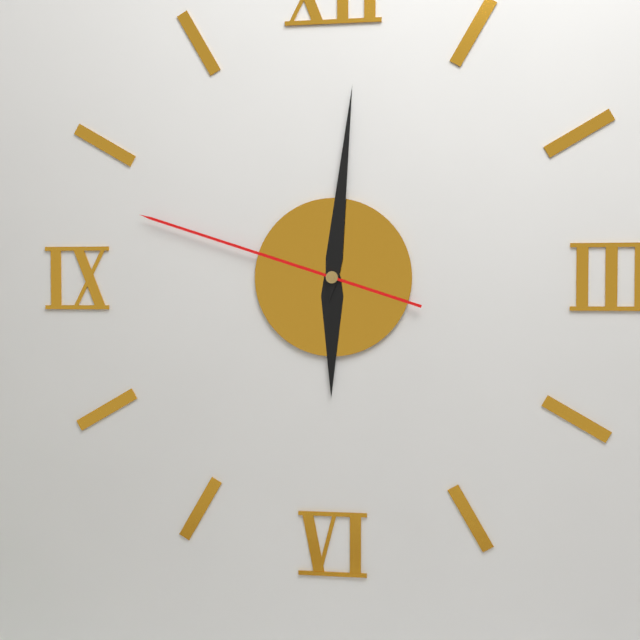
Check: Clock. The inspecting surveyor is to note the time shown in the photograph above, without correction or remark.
6:01:48
